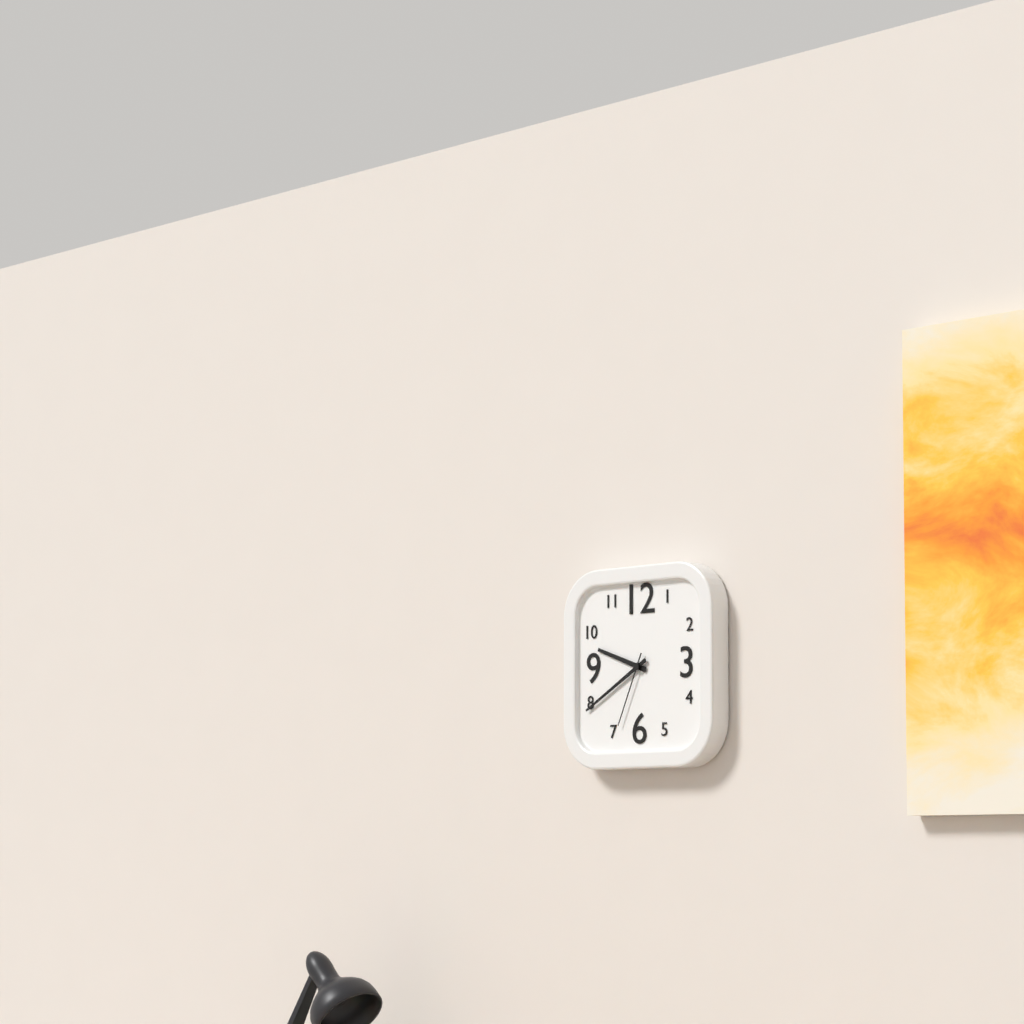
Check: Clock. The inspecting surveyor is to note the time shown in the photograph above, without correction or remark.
9:40:34
